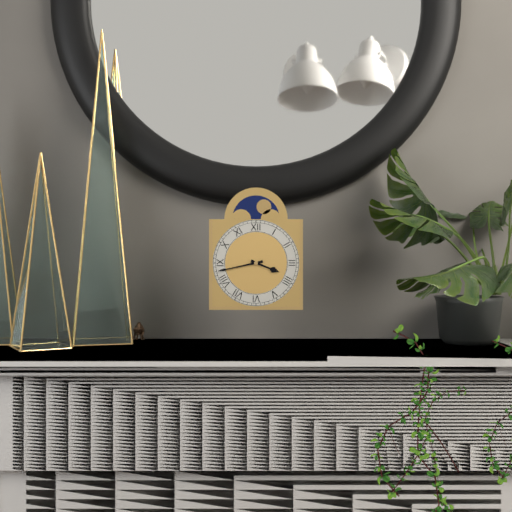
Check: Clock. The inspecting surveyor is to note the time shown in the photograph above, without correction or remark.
3:43
